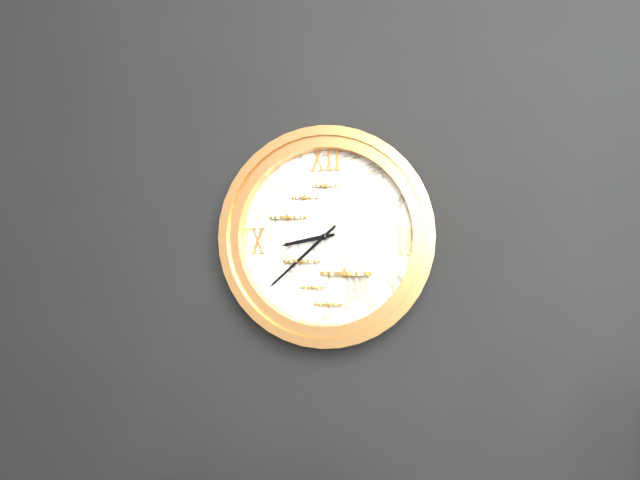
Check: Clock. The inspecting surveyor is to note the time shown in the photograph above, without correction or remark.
8:38
